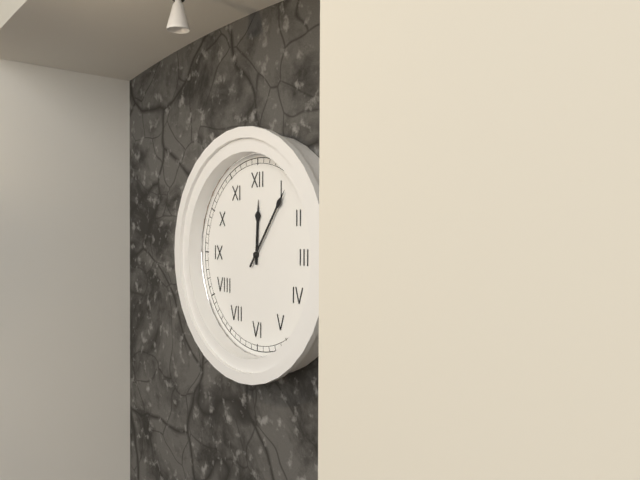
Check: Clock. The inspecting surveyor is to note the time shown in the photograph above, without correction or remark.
12:06
